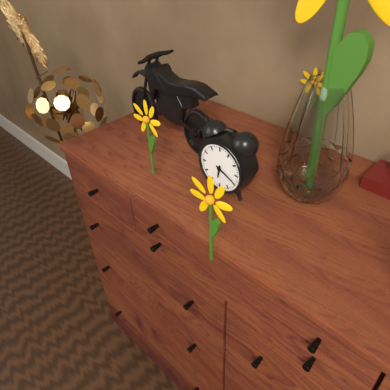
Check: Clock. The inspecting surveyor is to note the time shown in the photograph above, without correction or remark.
6:19
